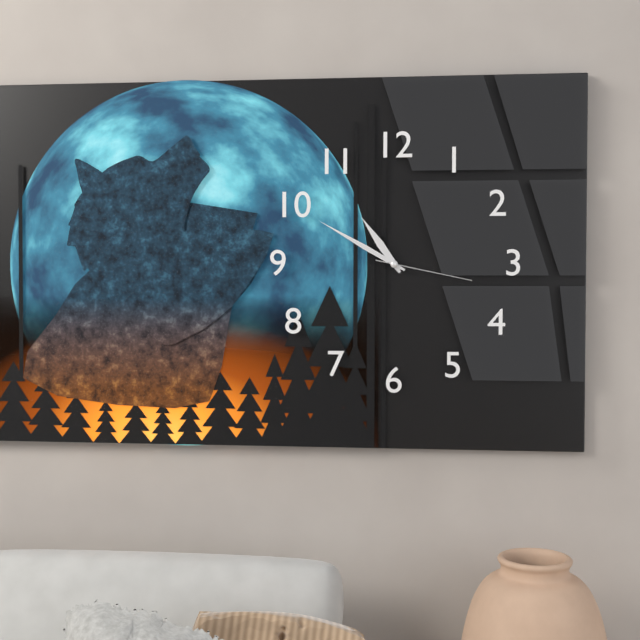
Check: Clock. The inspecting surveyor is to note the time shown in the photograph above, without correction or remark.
10:50:17
